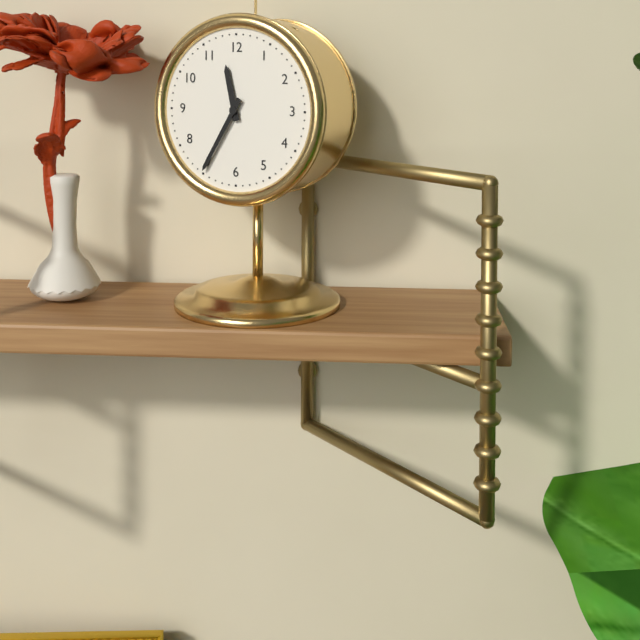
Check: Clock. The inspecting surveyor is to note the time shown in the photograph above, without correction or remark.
11:35
